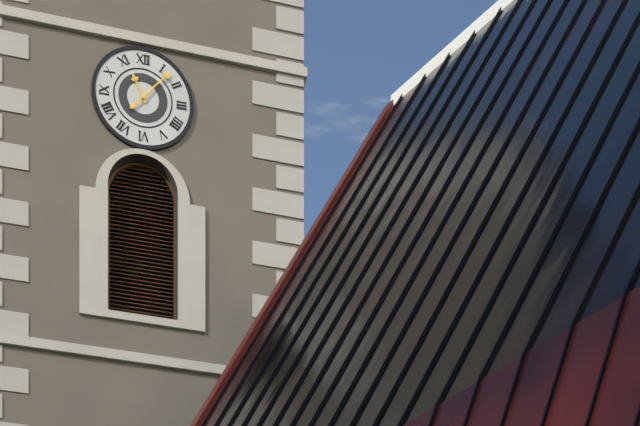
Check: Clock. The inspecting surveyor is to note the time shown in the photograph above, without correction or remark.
11:07
